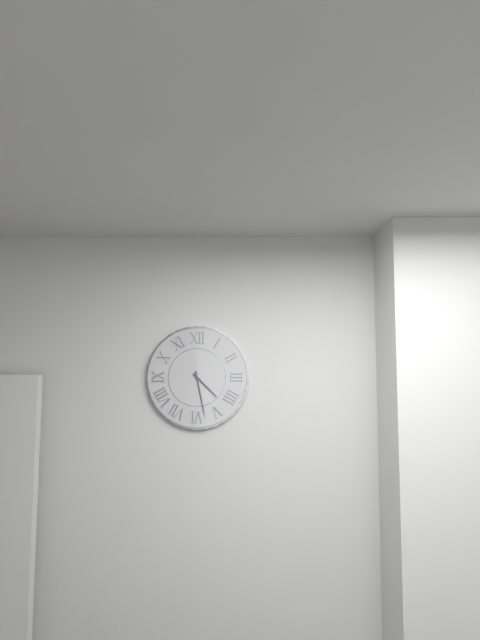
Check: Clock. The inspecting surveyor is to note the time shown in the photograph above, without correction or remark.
4:28
